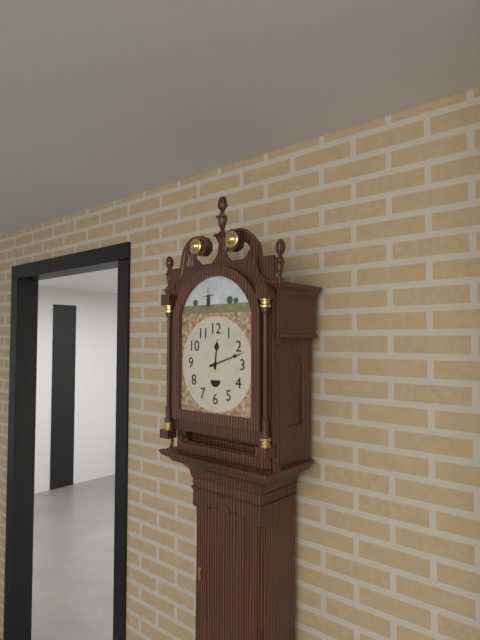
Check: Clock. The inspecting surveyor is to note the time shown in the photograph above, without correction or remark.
12:12
